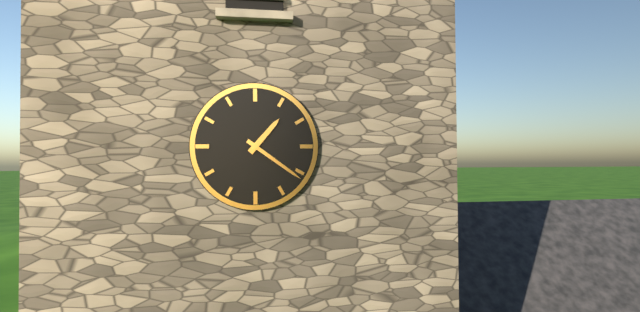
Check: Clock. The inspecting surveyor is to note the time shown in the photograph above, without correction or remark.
1:21
